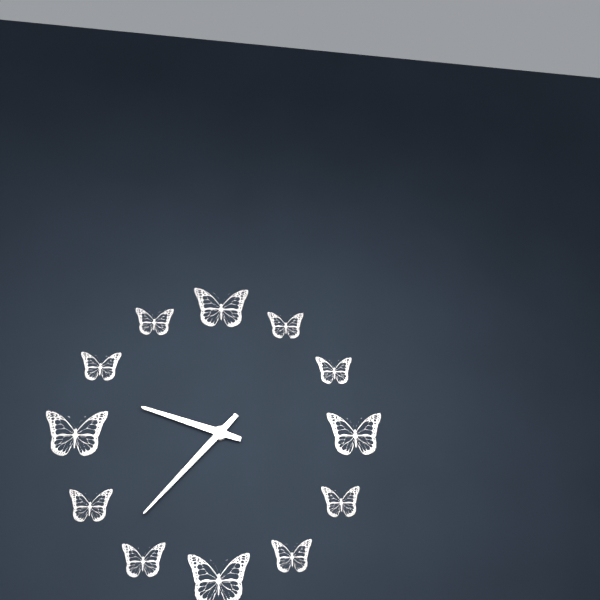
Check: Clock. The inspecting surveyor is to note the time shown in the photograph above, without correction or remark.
9:37
